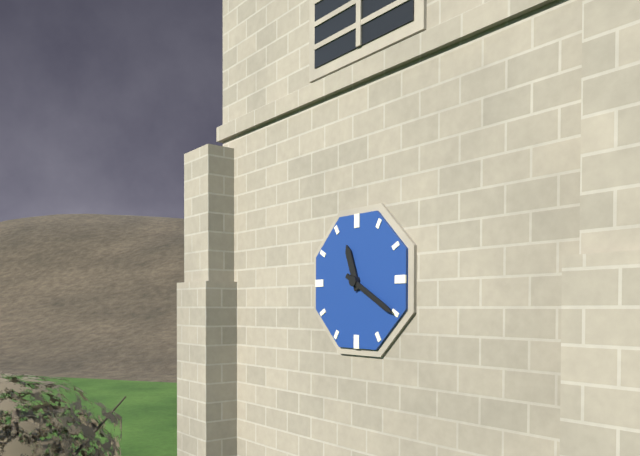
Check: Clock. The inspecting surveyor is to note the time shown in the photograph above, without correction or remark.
11:20
